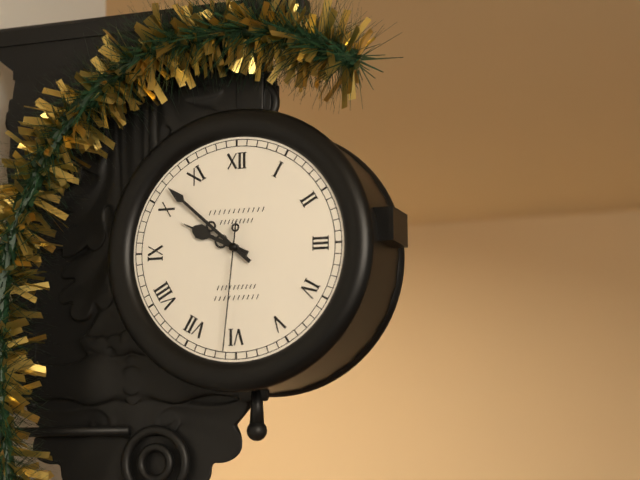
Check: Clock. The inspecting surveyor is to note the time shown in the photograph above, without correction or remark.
9:52:31
